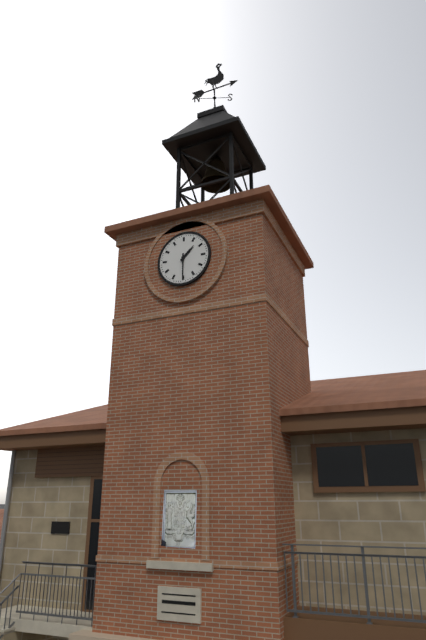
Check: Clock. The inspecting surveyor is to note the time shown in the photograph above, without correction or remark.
1:30
